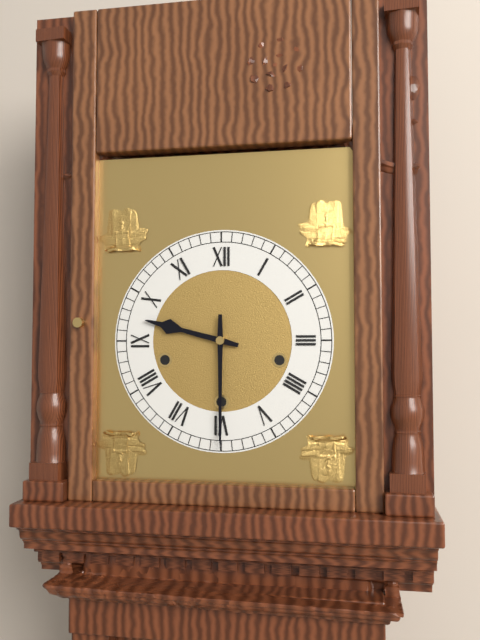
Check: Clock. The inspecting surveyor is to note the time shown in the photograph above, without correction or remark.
9:30
